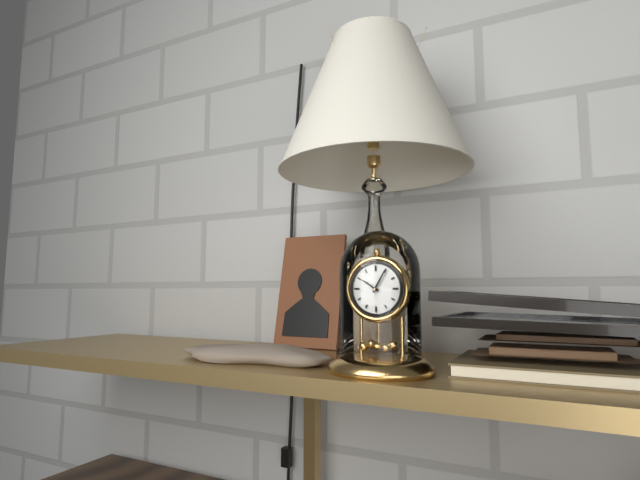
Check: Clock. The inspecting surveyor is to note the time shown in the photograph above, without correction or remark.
10:05
